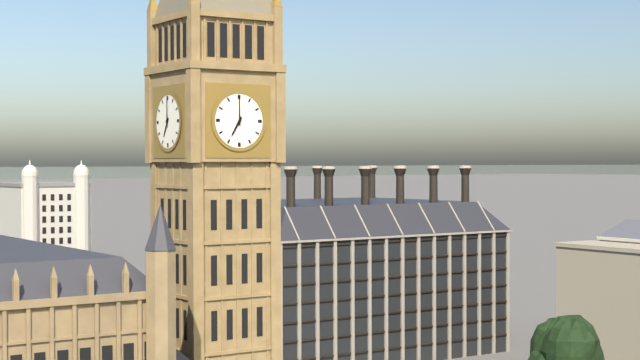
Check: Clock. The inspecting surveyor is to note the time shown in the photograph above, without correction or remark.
7:00
